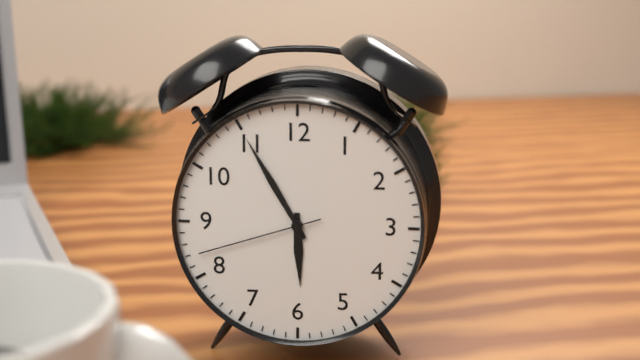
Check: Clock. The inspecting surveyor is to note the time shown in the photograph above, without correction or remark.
5:55:42
